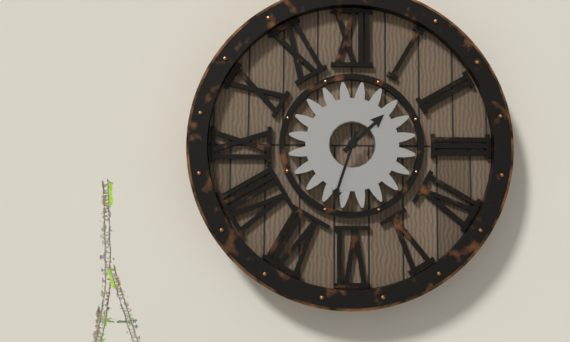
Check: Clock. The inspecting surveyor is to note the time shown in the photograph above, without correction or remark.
1:33
